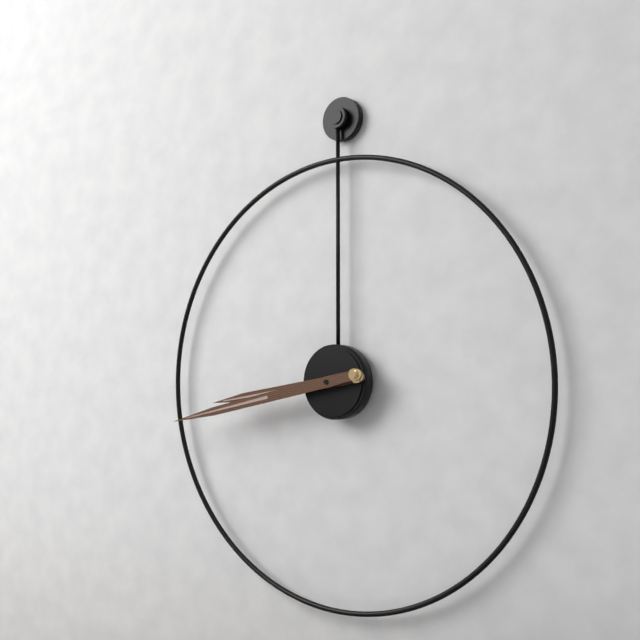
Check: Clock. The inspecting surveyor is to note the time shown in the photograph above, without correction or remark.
8:43
